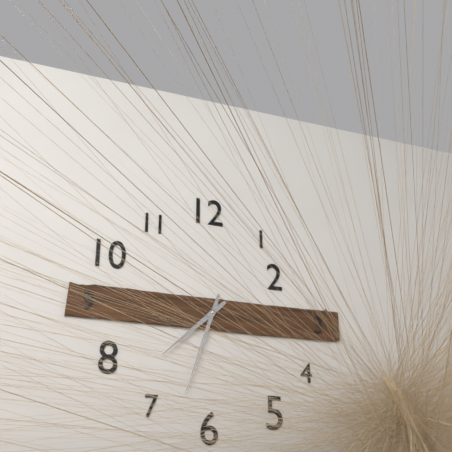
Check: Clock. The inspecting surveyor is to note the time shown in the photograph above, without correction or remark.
7:33
